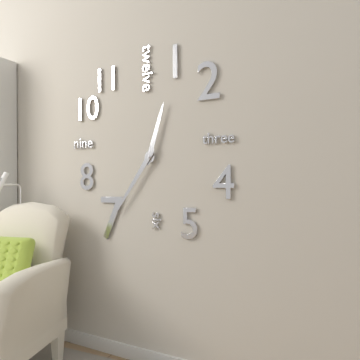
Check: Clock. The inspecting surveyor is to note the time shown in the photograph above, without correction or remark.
12:36
